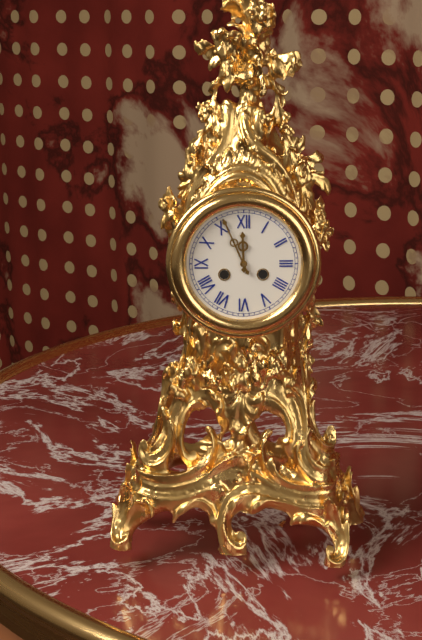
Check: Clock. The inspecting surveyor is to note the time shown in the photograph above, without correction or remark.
11:56
